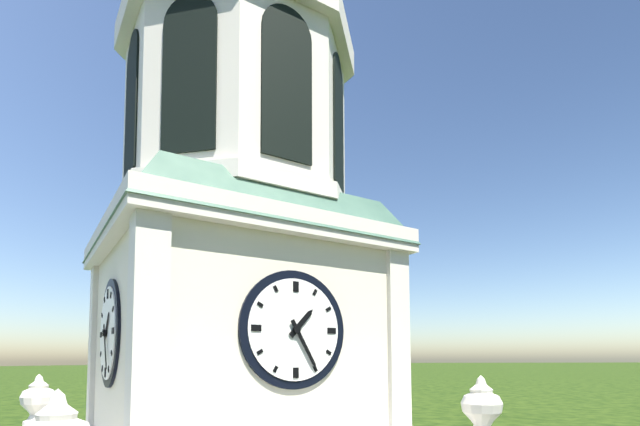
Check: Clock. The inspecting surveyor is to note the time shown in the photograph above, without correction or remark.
1:25
